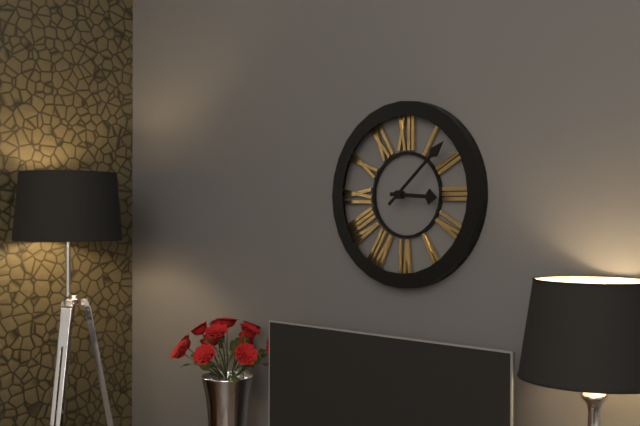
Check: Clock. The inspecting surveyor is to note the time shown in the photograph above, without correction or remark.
3:08
